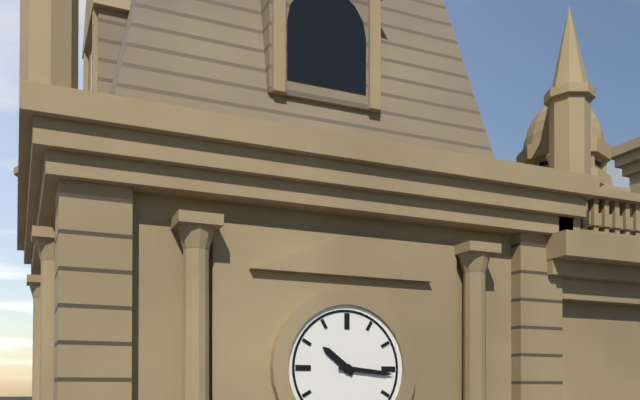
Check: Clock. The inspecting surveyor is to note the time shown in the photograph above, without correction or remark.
10:16
